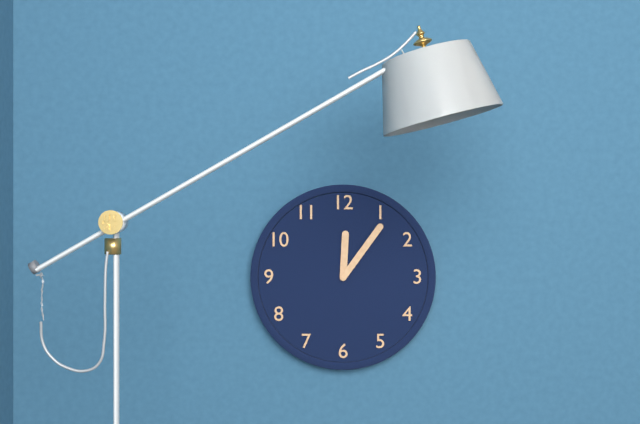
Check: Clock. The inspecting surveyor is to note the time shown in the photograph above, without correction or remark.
12:06
